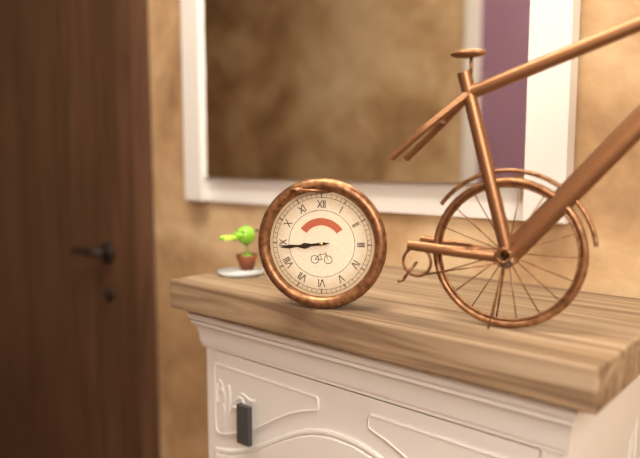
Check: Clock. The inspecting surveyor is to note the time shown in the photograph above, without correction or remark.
8:44
